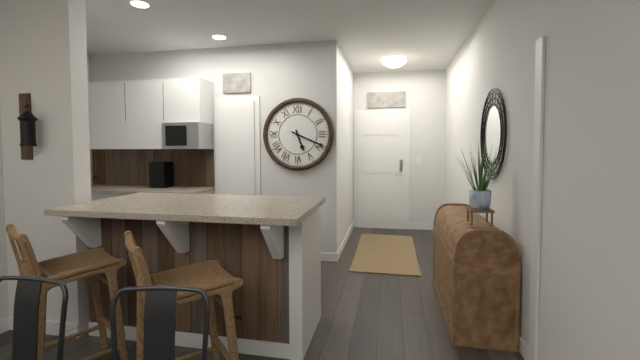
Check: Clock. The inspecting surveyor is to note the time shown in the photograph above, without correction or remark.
5:19
